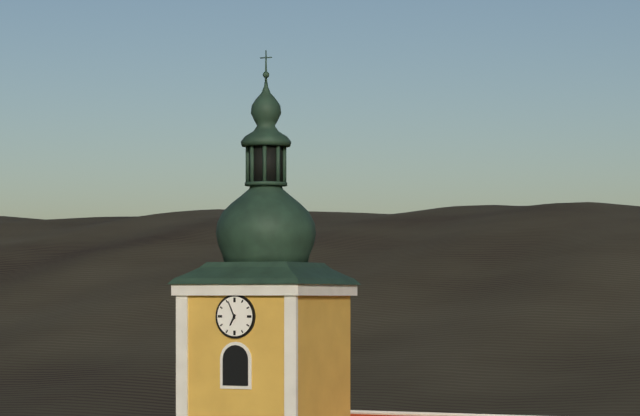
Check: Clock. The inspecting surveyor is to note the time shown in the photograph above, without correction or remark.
6:56
